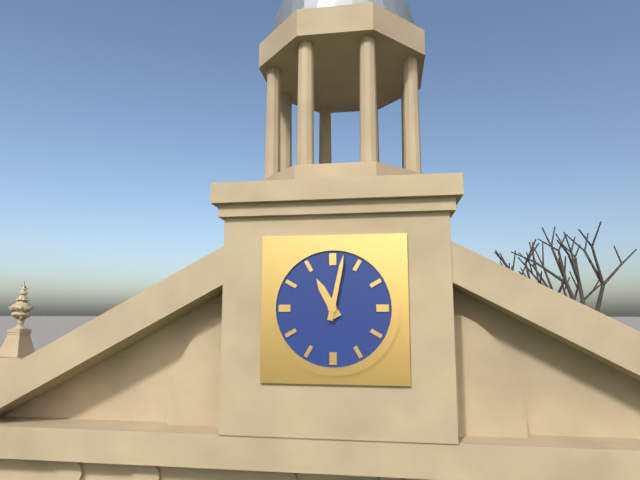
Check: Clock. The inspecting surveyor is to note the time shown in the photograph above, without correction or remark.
11:02
